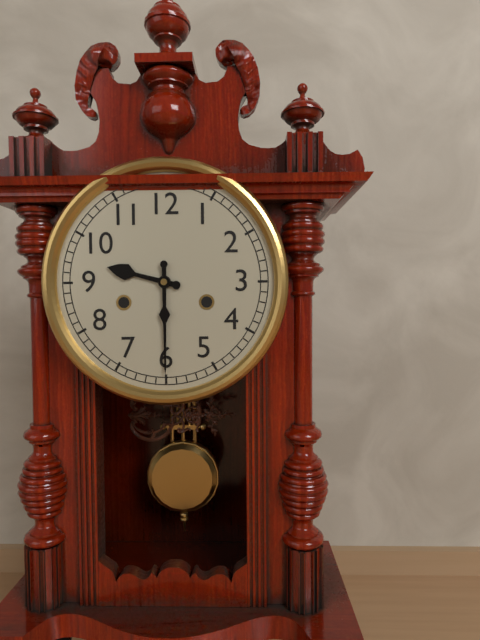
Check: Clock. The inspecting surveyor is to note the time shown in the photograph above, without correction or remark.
9:30
